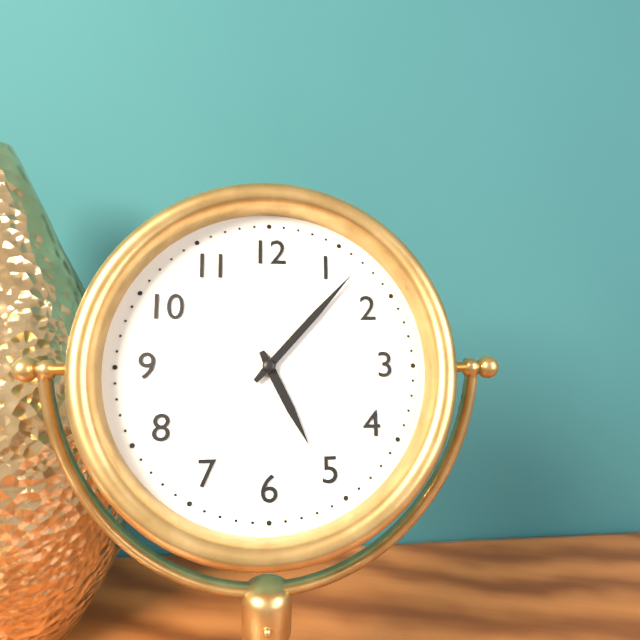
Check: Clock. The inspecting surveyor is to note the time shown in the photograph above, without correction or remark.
5:07
